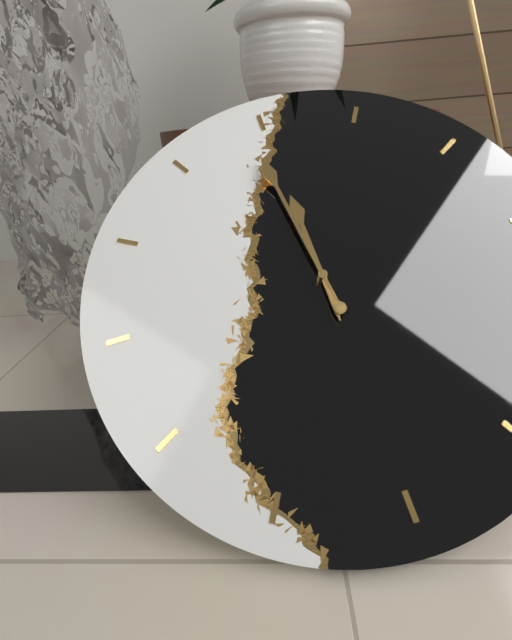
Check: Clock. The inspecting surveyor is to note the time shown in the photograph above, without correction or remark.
11:59
